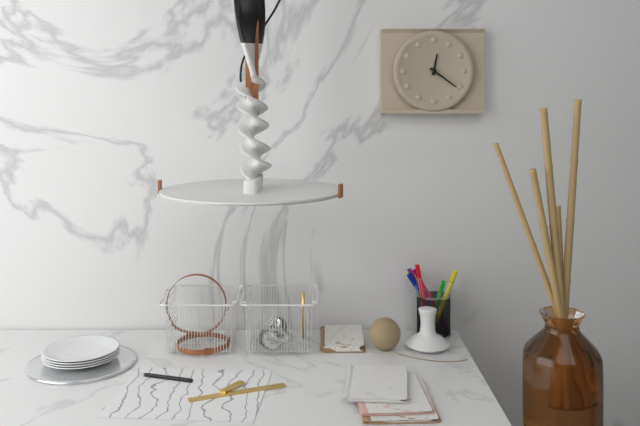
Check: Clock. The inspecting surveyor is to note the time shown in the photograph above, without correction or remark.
12:21
